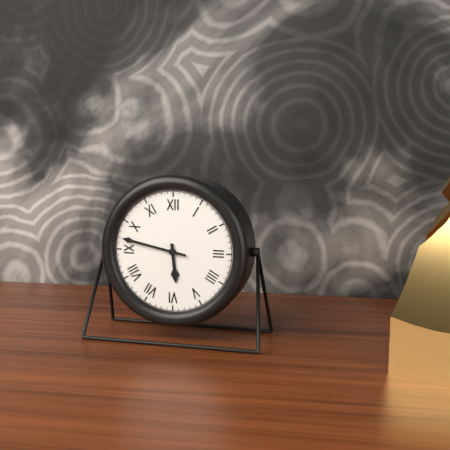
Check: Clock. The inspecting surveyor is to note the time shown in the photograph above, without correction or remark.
5:47
